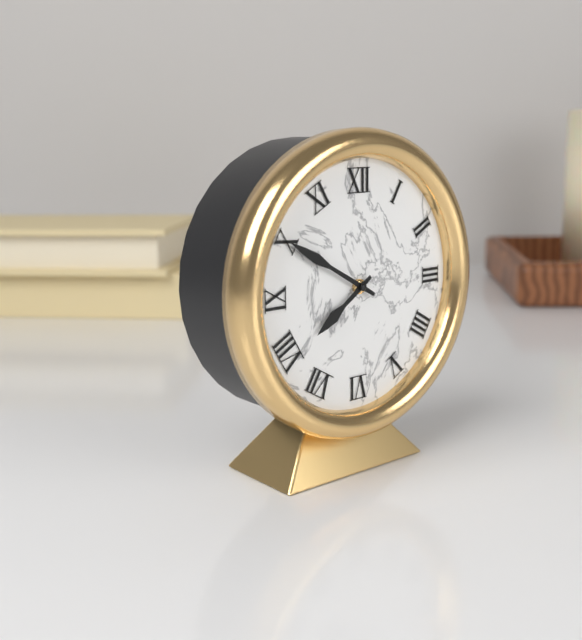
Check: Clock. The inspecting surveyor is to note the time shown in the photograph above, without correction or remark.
7:50
